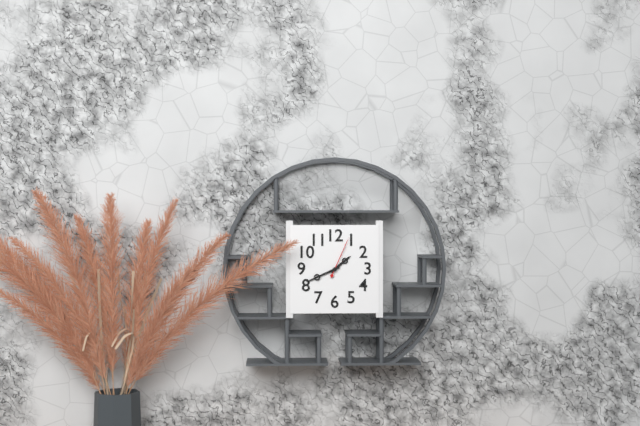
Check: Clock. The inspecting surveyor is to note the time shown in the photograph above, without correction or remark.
1:41
